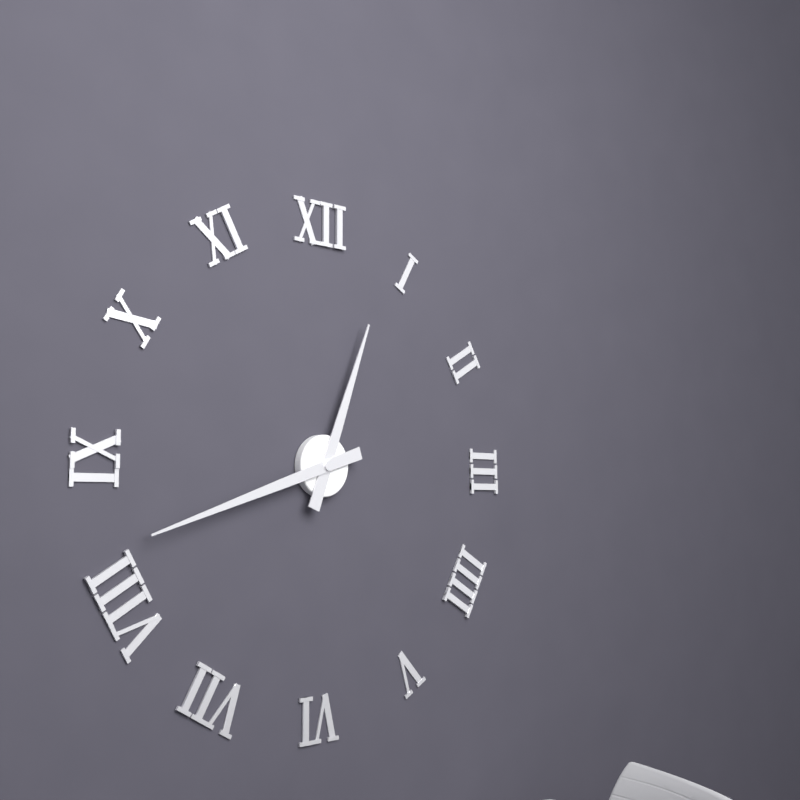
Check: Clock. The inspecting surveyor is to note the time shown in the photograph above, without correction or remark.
12:42
